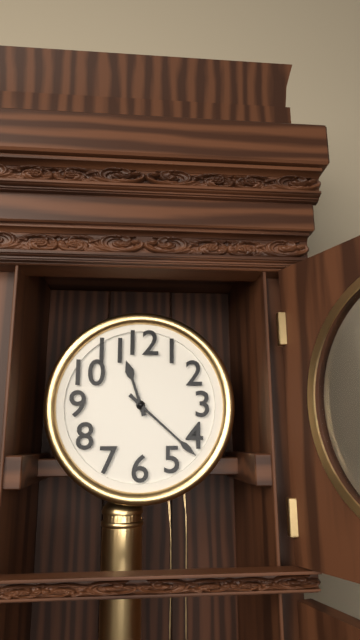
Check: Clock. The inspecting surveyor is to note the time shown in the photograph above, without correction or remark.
11:22
